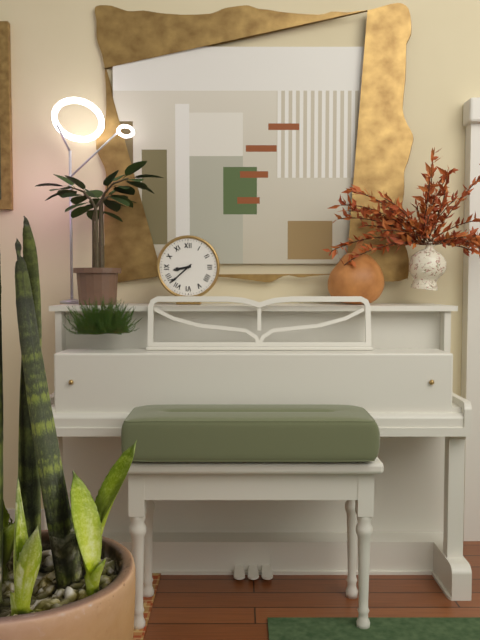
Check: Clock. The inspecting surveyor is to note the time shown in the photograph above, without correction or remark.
8:38
